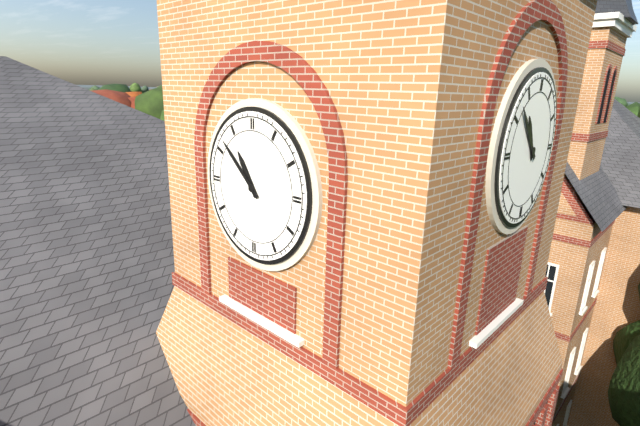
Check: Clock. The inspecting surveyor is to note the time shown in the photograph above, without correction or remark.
10:52
